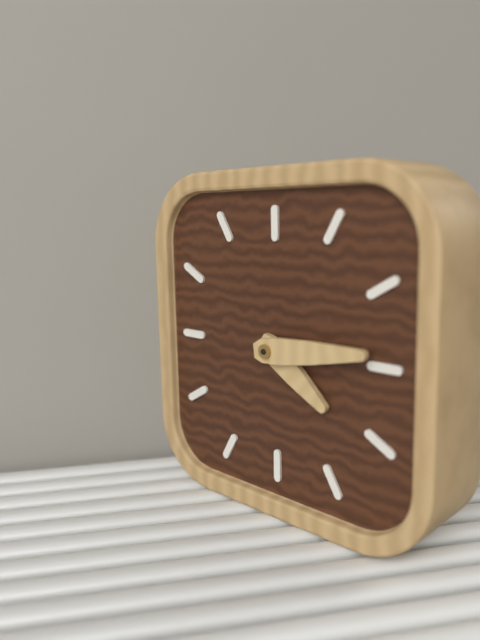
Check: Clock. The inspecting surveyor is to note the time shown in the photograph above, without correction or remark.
4:14
